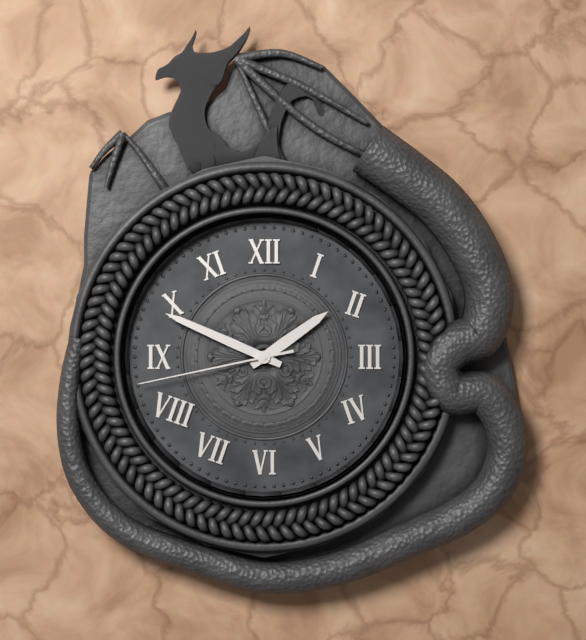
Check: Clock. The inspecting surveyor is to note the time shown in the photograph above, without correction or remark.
1:49:43
